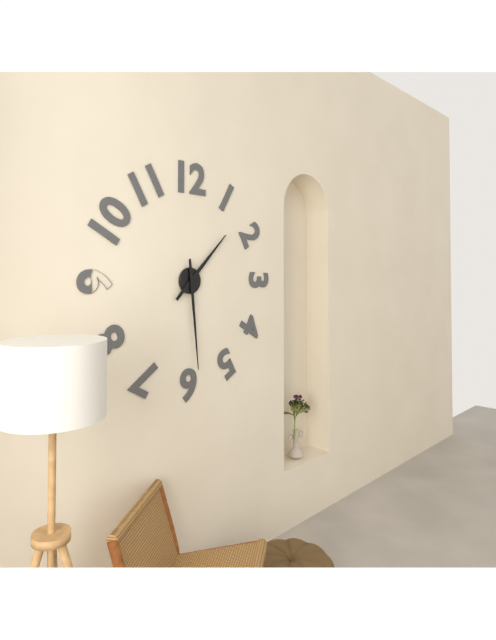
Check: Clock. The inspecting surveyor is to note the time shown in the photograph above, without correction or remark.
1:29
